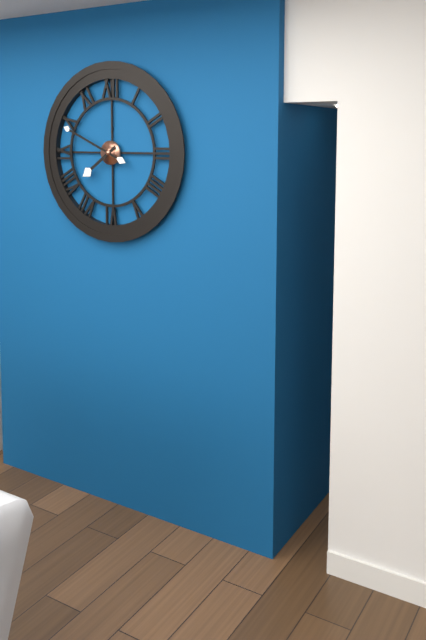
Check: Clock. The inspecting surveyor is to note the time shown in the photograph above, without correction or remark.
7:49
